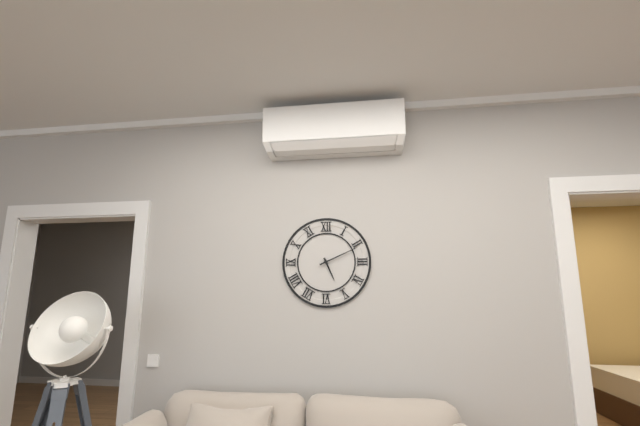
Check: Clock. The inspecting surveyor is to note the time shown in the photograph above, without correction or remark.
5:11
